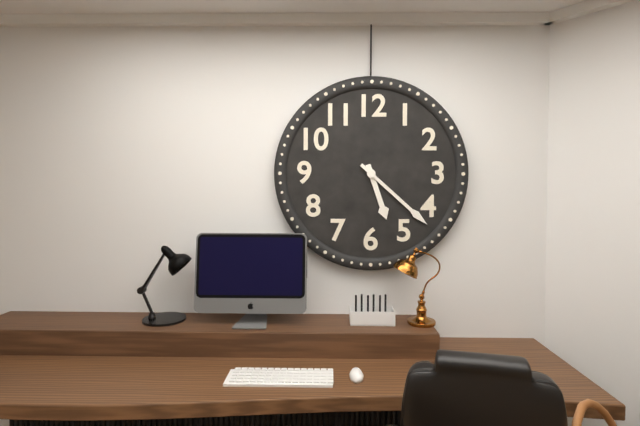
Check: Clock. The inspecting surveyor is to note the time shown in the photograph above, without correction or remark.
5:22
